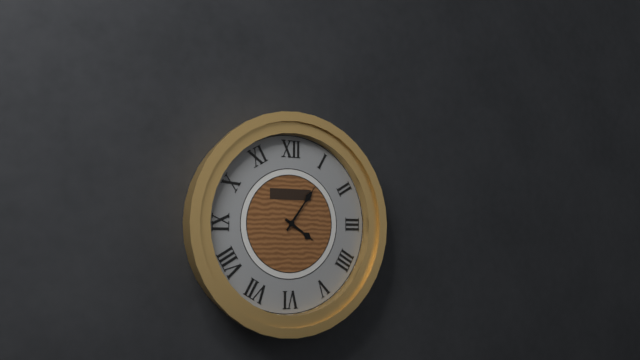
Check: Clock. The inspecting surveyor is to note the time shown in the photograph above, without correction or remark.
4:06
